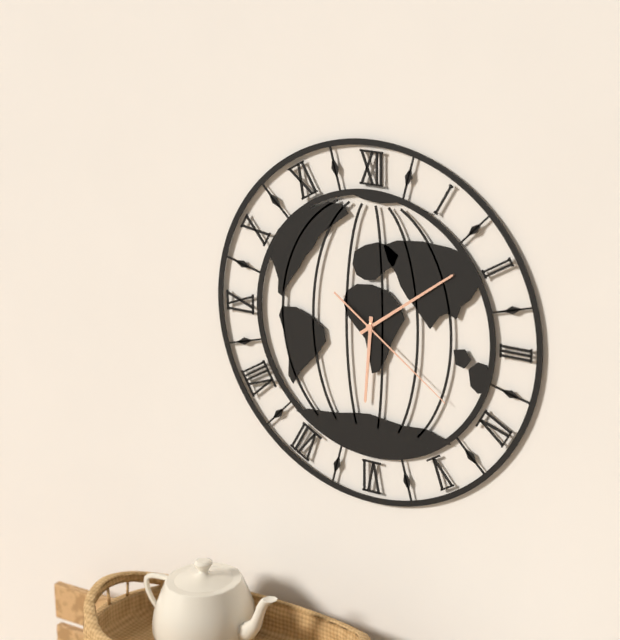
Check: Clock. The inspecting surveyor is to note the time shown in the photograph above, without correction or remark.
6:09:21
